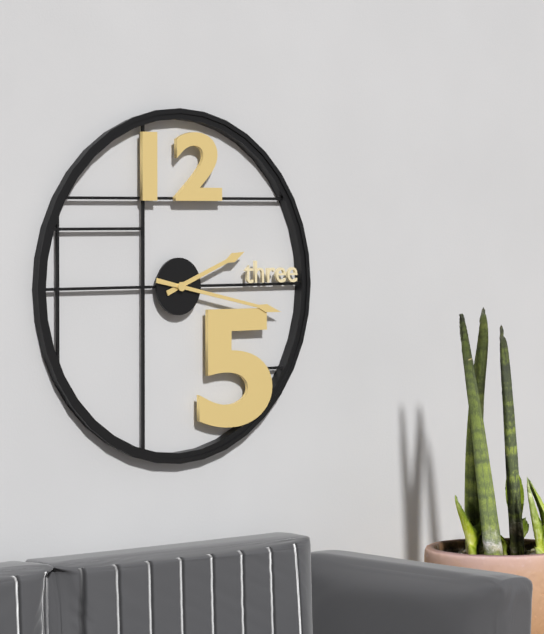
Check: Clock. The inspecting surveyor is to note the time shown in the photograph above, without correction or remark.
2:17
